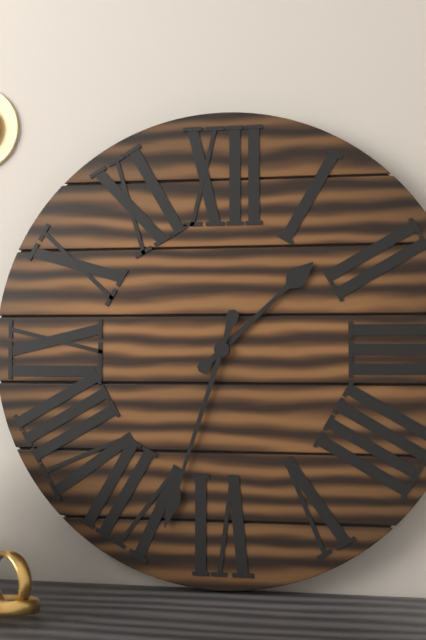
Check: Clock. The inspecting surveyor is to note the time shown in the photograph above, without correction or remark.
1:33
